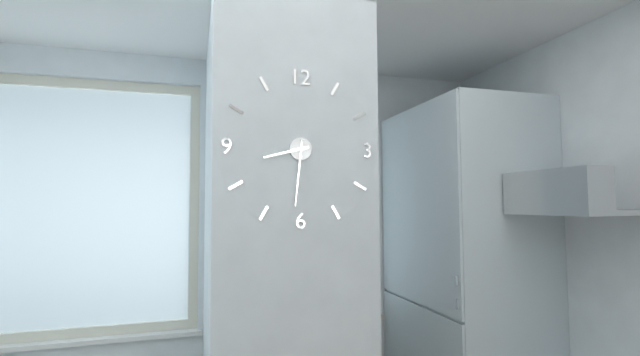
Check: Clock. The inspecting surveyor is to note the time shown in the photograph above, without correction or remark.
8:31
